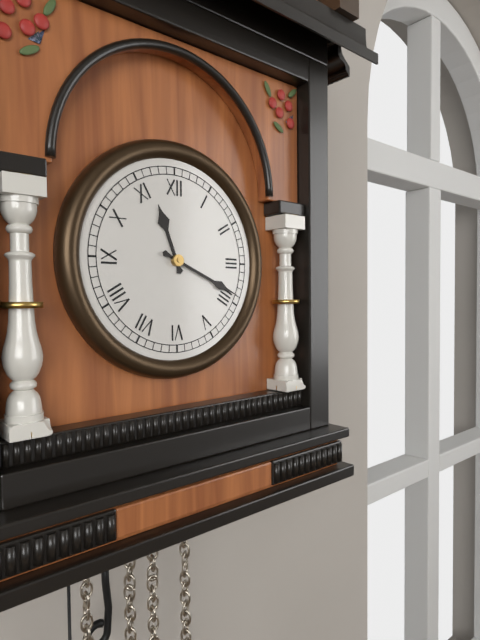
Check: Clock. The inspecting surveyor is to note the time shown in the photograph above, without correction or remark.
11:19
